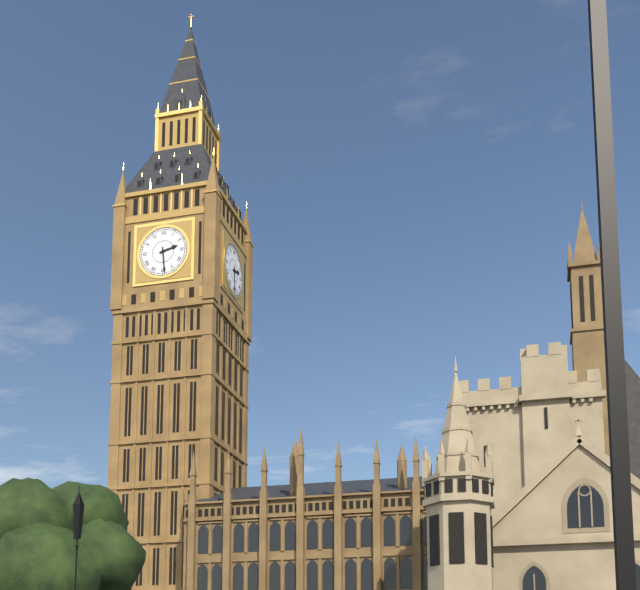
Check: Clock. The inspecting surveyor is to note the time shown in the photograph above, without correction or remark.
2:29
